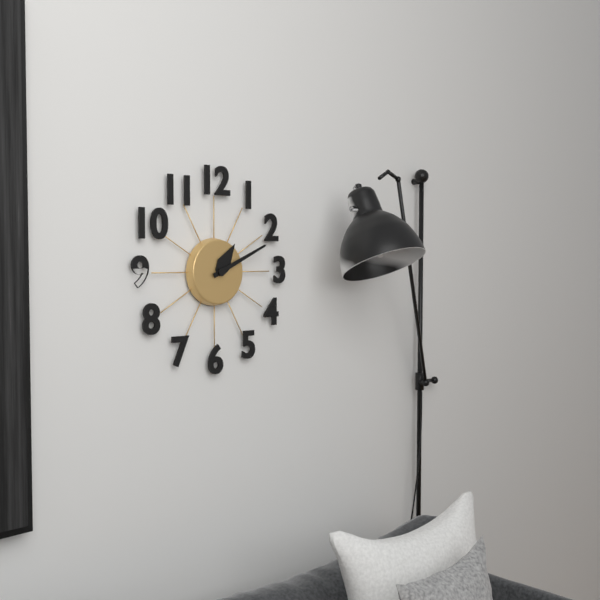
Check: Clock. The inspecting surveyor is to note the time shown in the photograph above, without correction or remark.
1:11
